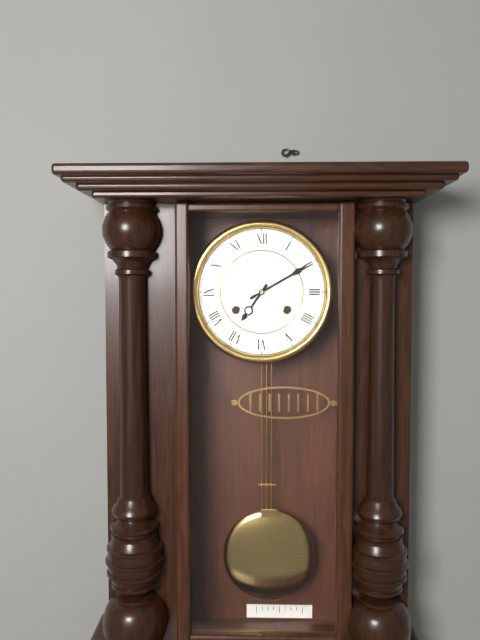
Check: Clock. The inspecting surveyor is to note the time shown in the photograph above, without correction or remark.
7:10
